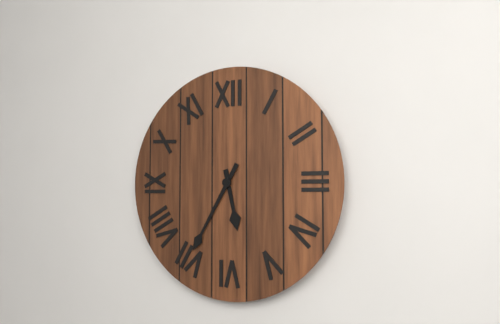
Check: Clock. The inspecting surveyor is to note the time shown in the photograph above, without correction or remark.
5:35
